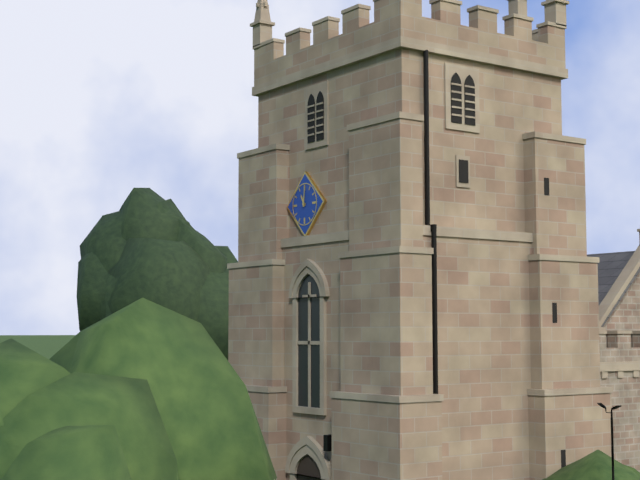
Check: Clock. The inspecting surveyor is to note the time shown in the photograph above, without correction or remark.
11:01
